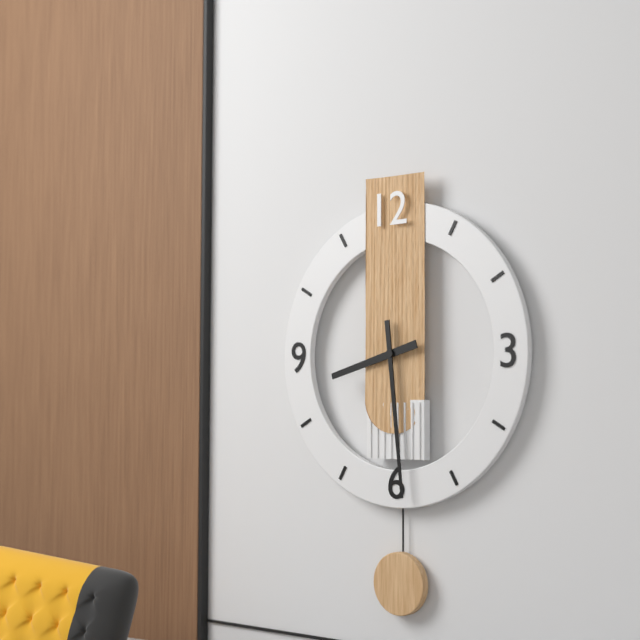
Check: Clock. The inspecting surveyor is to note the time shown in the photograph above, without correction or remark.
8:29
